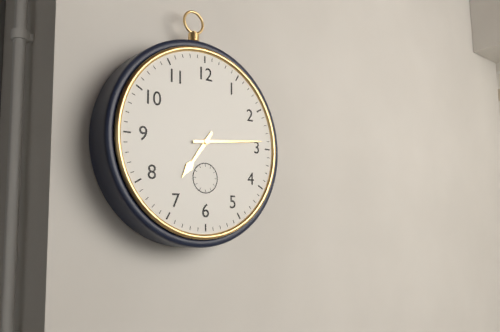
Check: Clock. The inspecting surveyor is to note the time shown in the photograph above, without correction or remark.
7:14
